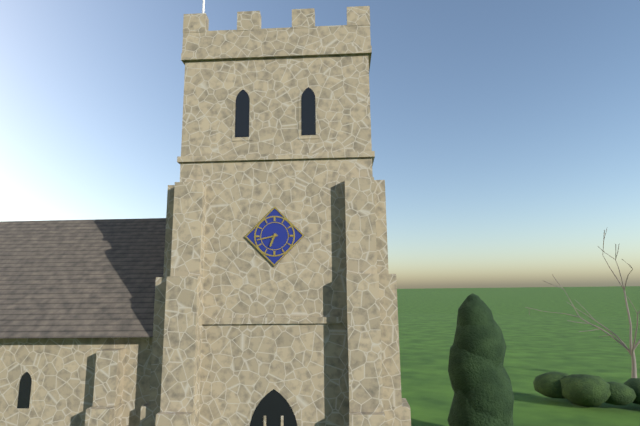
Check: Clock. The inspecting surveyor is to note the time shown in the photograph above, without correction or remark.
6:43
